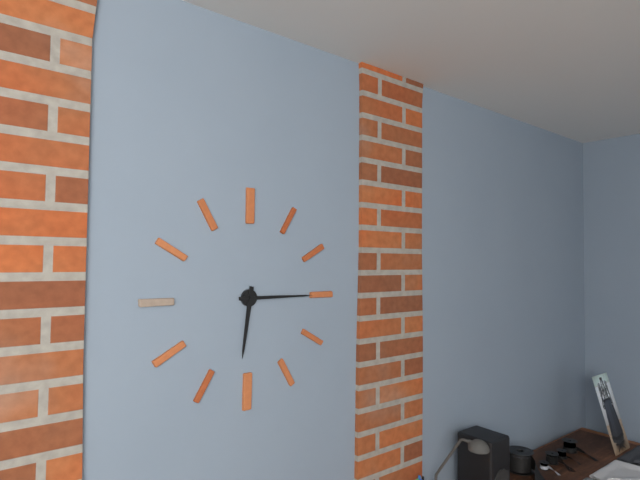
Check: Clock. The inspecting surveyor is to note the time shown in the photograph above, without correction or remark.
6:15
